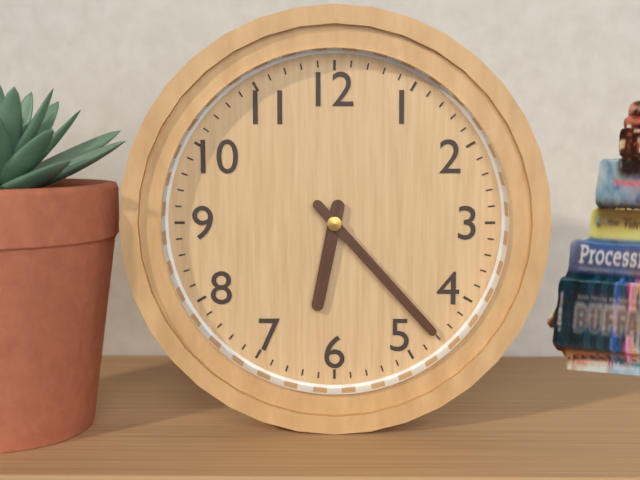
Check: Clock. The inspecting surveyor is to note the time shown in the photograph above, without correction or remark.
6:23
